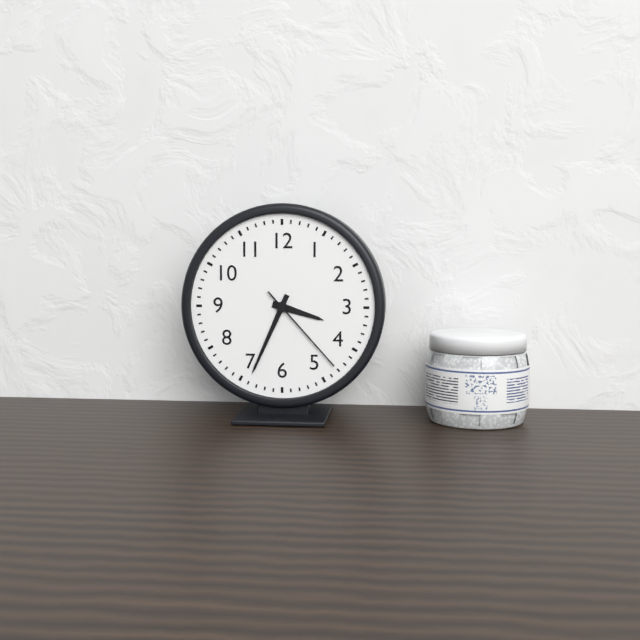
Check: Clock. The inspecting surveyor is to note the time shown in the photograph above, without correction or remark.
3:34:23
